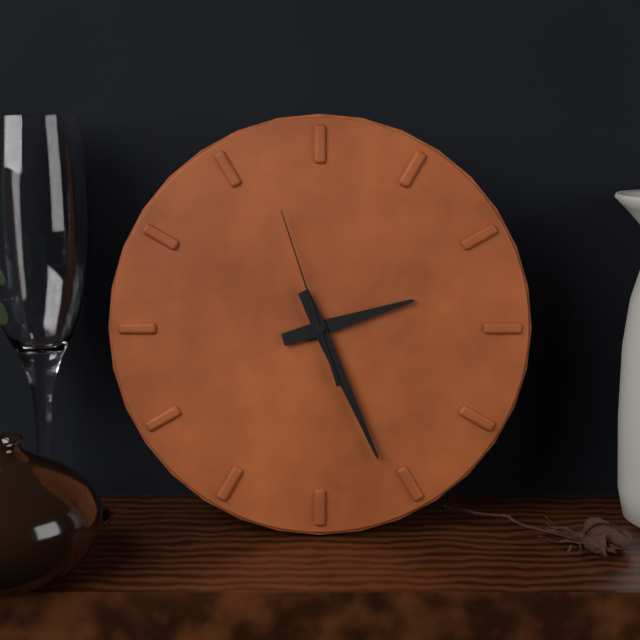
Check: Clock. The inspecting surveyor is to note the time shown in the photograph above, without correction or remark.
2:26:57
